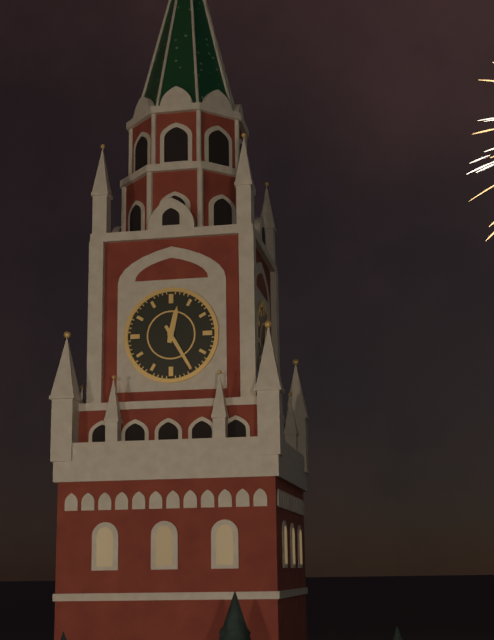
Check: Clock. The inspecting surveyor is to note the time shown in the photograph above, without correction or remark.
12:25
